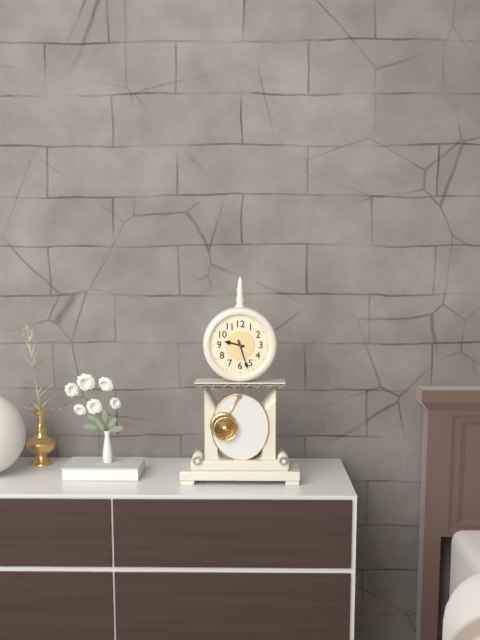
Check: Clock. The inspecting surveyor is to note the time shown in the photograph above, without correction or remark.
9:27
